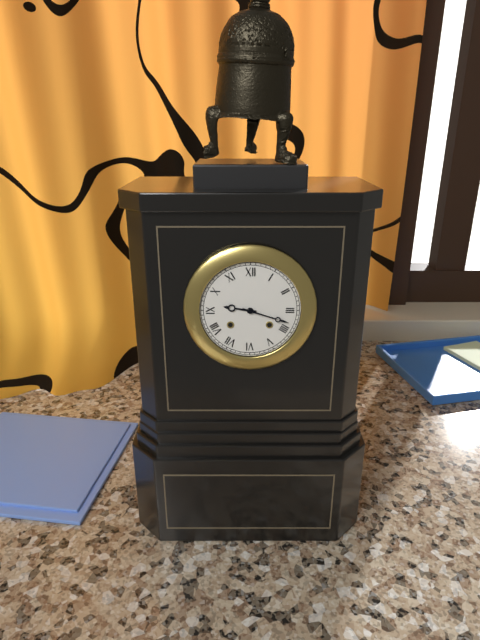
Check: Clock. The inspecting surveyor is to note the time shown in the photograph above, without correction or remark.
9:18
